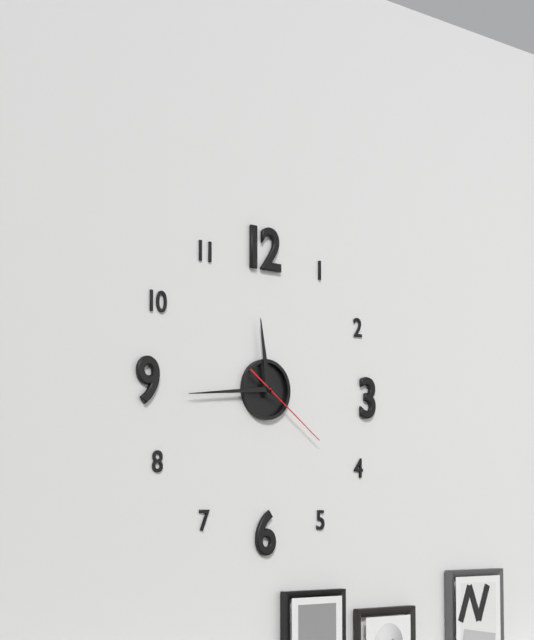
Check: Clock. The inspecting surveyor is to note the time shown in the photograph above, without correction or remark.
11:44:21
